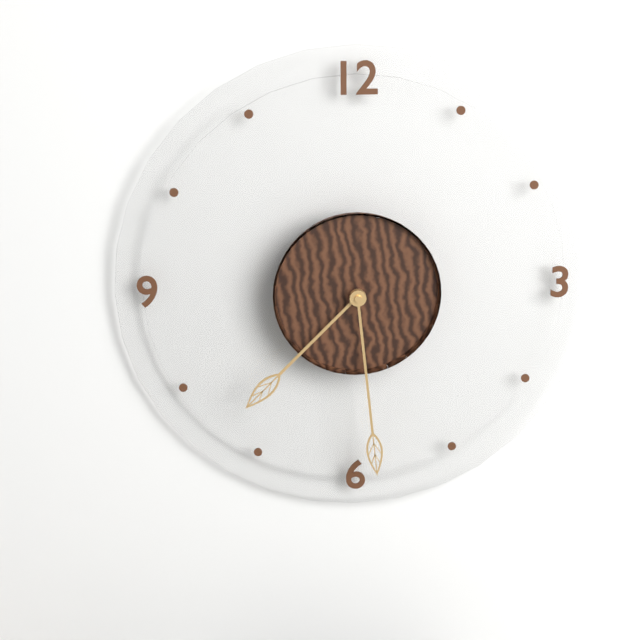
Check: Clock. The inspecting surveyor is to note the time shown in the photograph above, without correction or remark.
7:29
